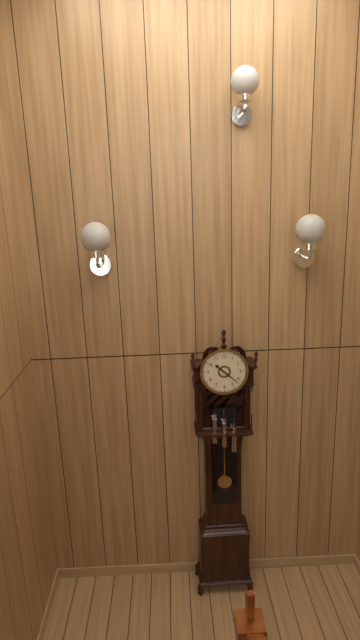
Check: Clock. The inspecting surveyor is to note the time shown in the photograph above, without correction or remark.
10:22
